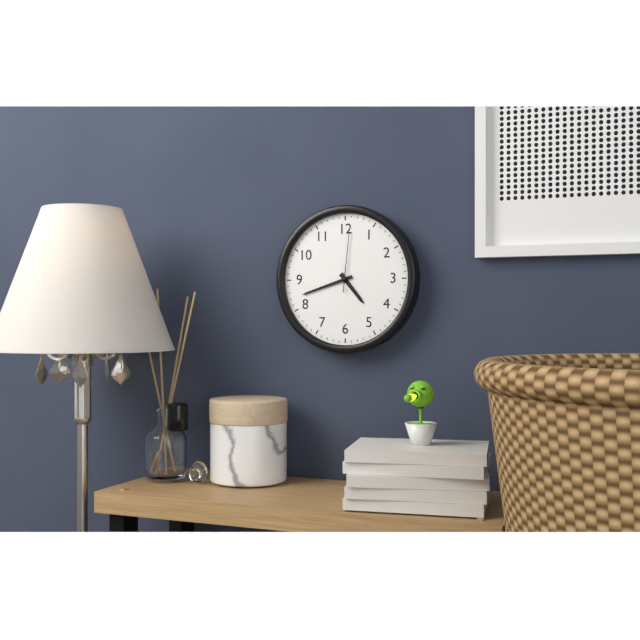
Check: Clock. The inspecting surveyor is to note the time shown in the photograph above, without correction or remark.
4:42:01
